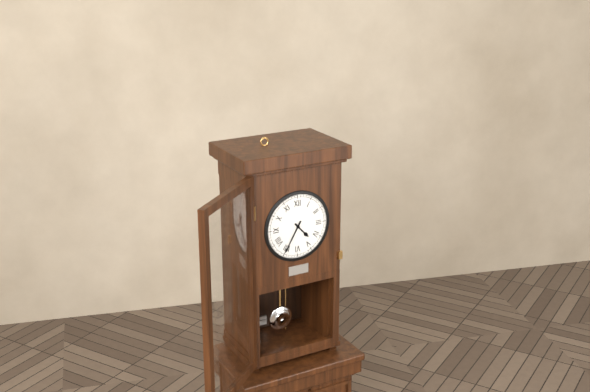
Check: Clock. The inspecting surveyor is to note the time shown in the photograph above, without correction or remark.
4:35
